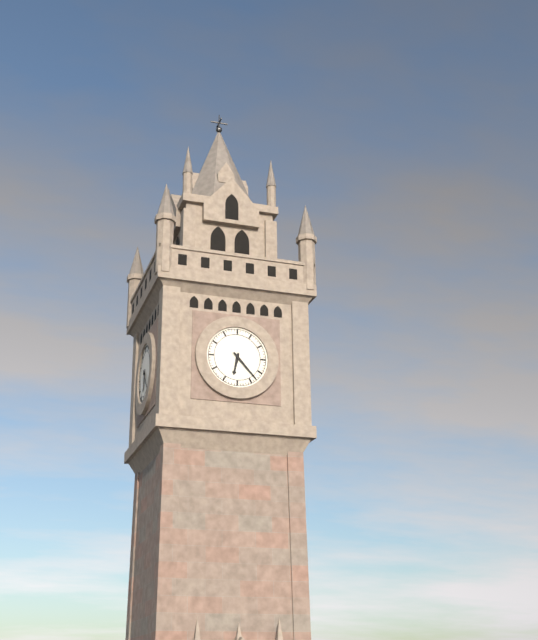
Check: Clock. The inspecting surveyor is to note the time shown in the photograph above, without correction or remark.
6:23
